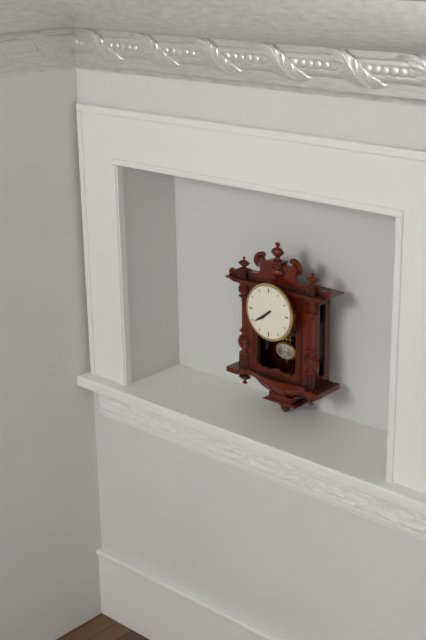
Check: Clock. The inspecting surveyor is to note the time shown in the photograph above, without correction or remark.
7:39
